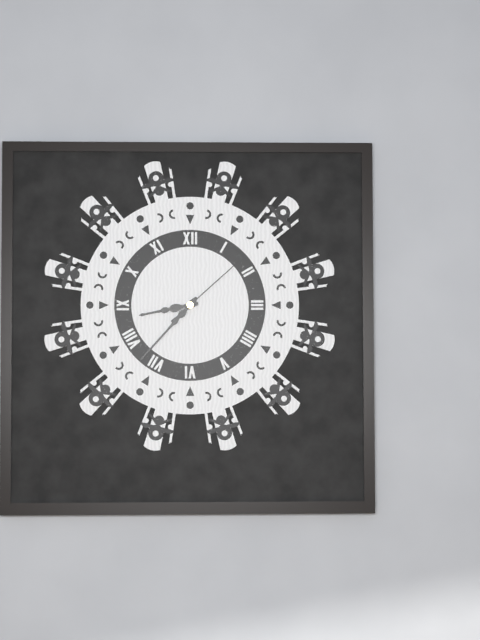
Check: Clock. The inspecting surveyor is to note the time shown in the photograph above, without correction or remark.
8:37:08
